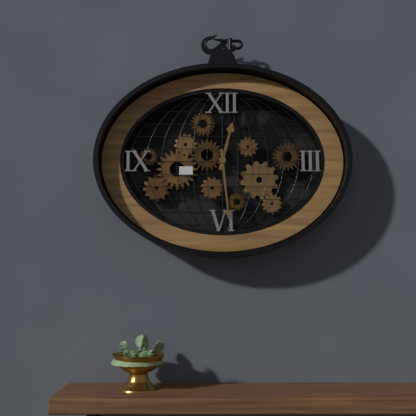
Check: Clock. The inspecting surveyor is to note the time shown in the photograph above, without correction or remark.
12:29
